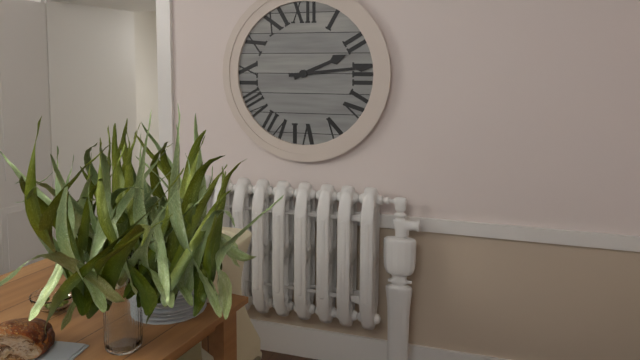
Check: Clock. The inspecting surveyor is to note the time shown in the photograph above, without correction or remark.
2:14
